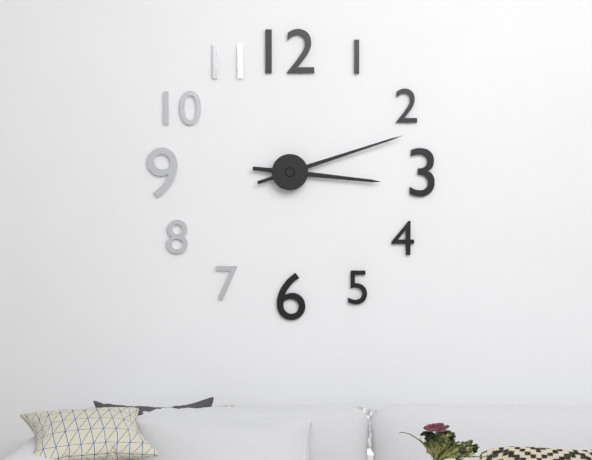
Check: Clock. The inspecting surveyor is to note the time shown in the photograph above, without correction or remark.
3:12
